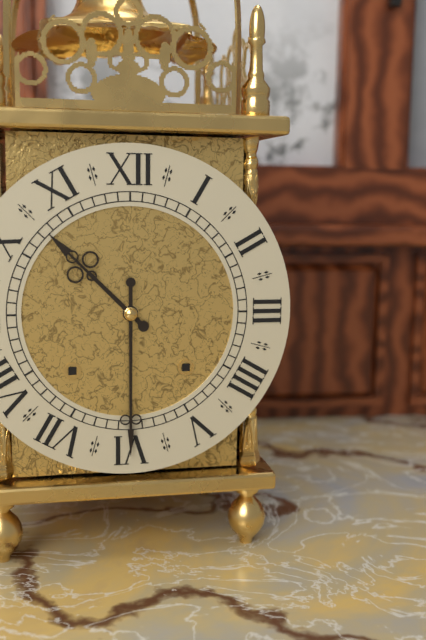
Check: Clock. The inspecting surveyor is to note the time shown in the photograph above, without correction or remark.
10:30
